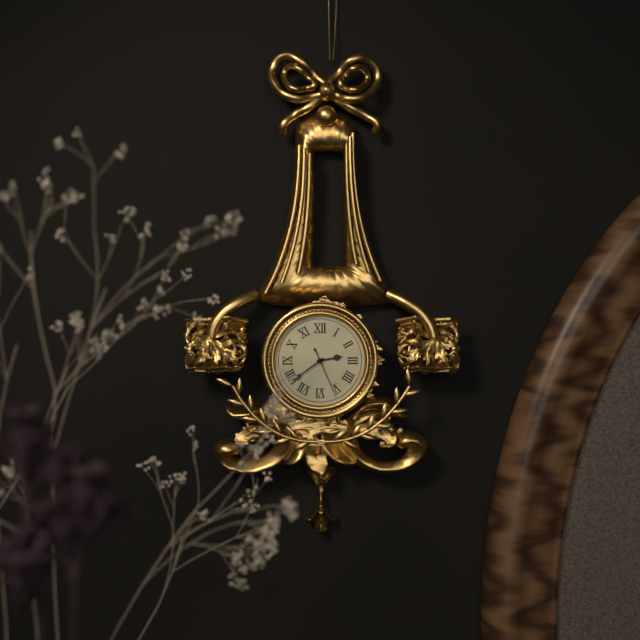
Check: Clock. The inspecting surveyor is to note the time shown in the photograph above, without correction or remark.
2:39
